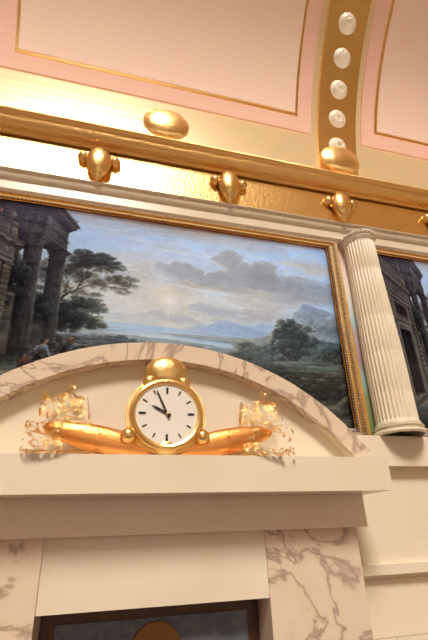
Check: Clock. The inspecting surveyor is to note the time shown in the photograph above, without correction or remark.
9:56
